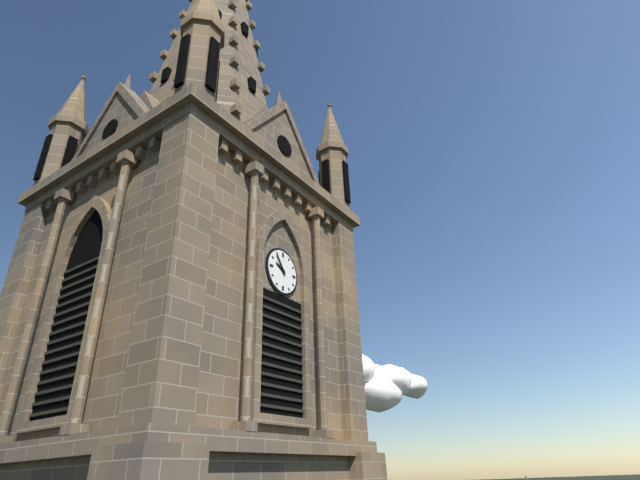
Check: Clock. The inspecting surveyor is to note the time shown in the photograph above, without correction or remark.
9:54
